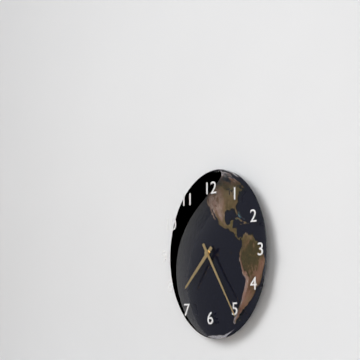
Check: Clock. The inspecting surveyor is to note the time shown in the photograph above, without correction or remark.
7:25
